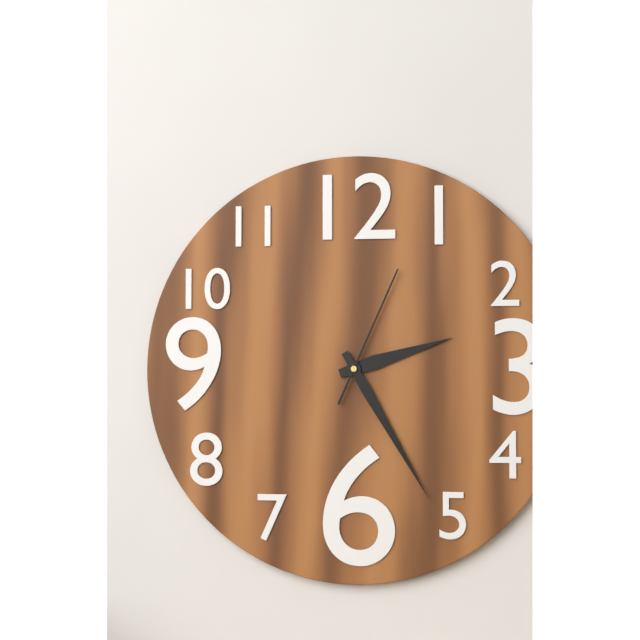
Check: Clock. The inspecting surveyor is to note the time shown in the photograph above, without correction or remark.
2:25:04
